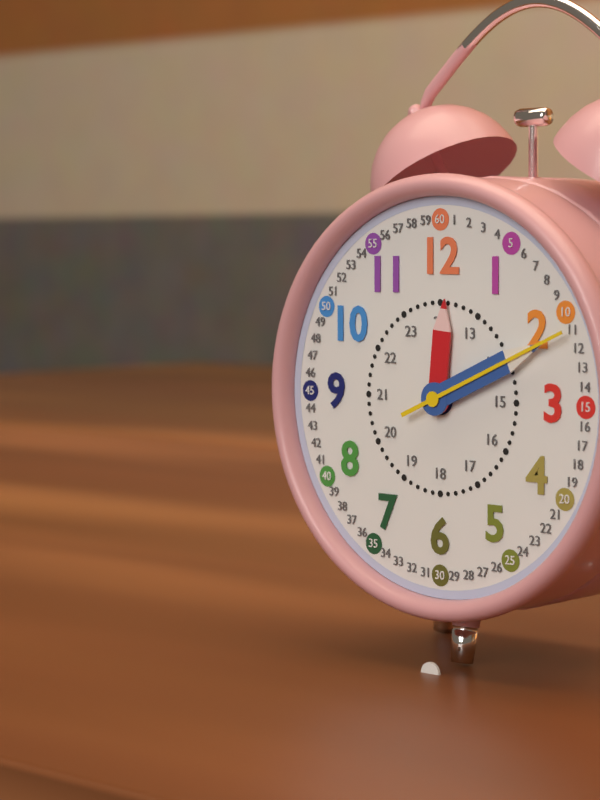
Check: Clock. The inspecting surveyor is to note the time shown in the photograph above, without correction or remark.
12:11:11
